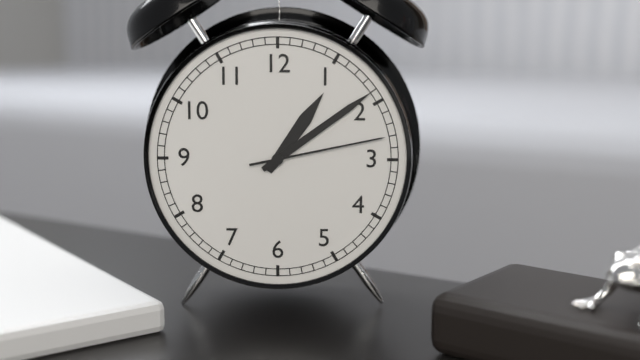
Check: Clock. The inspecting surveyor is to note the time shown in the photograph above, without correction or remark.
1:09:13
